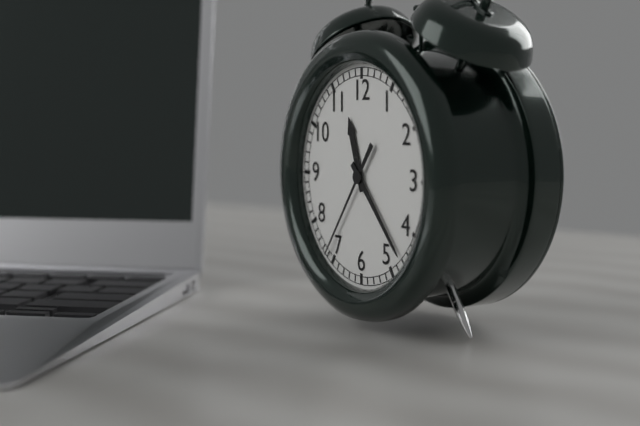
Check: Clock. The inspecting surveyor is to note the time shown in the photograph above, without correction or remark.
11:23:36
